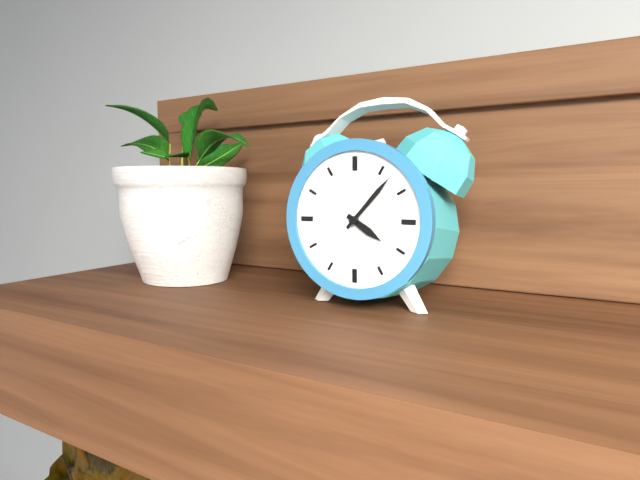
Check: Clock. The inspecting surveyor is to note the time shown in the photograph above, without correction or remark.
4:07
